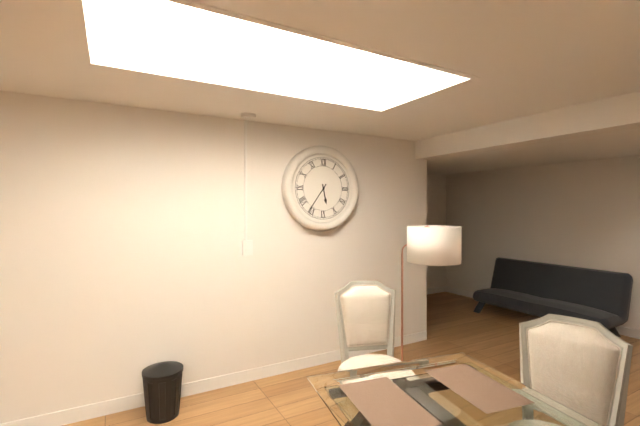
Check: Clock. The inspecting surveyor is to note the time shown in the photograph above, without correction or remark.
5:36
